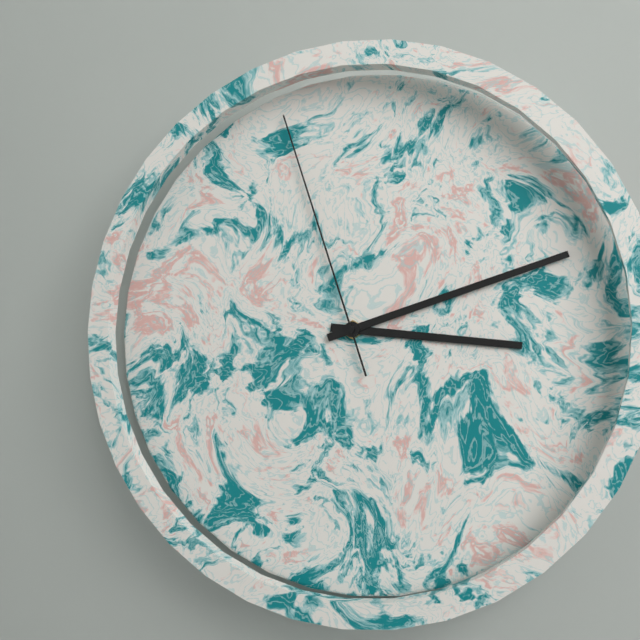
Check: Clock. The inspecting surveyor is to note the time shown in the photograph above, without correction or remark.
3:12:57
